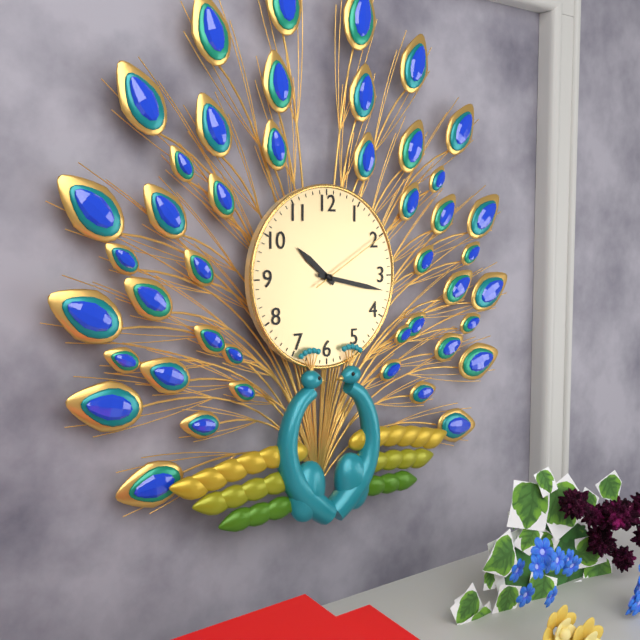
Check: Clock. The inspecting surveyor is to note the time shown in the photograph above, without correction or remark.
10:17:10
